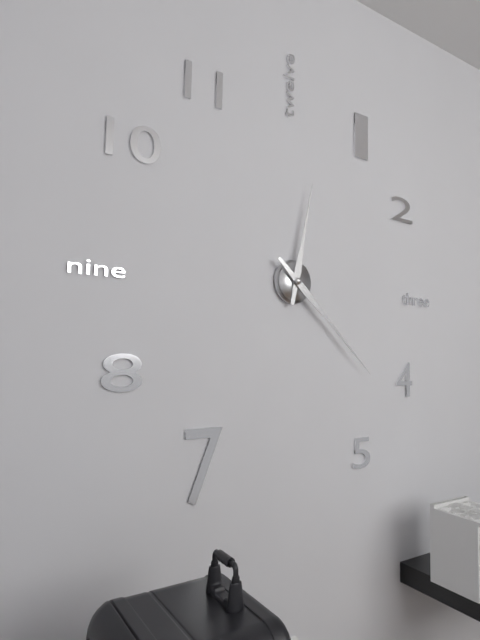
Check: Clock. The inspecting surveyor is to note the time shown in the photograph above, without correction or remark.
12:22
